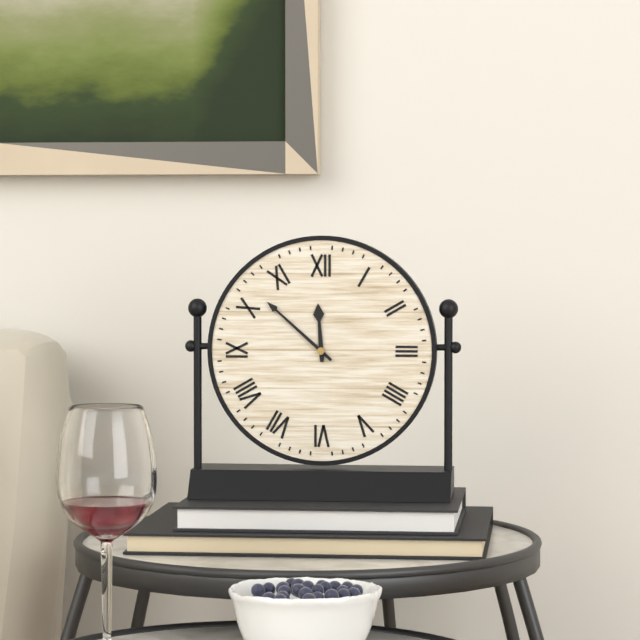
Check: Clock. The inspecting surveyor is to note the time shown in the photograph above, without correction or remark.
11:52
